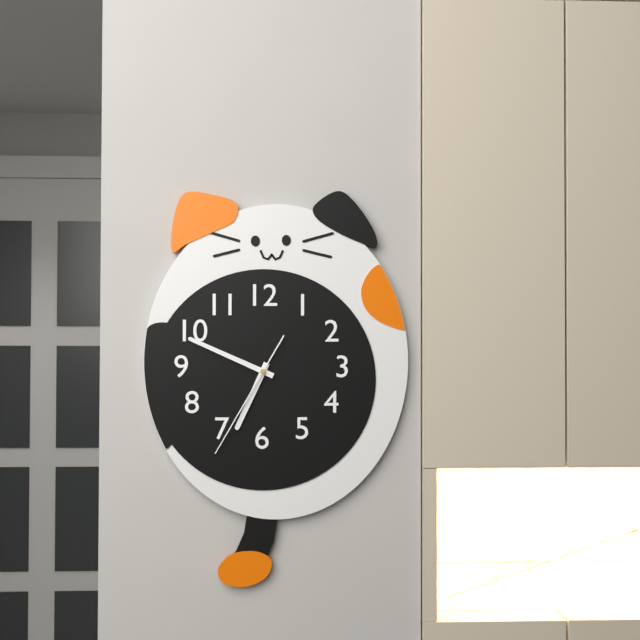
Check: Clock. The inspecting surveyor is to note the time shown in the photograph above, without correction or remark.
6:49:35
